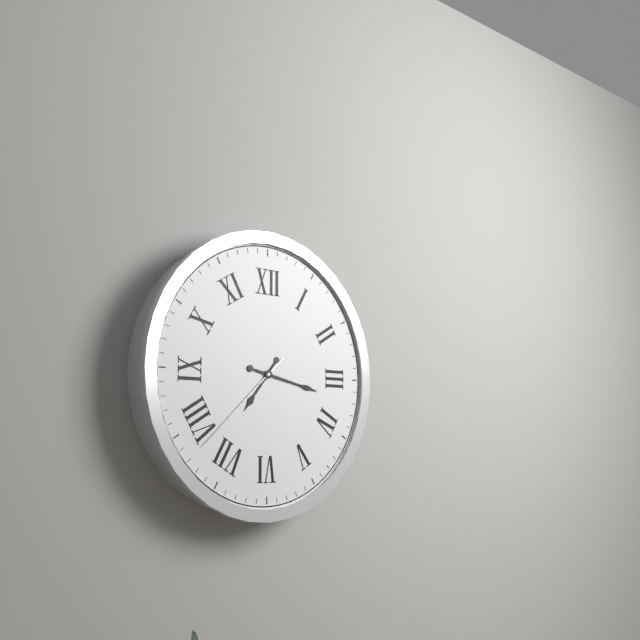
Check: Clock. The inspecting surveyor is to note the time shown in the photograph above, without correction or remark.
7:17:38
